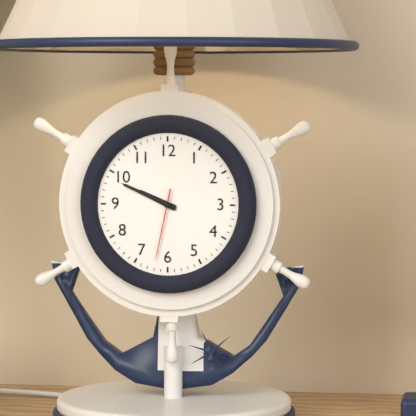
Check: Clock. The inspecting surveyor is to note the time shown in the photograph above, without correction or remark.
9:49:32
